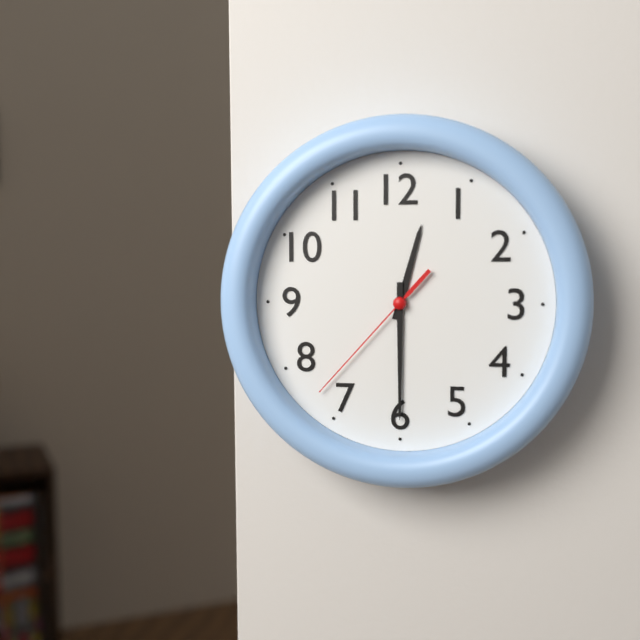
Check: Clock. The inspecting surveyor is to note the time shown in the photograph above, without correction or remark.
12:30:37
